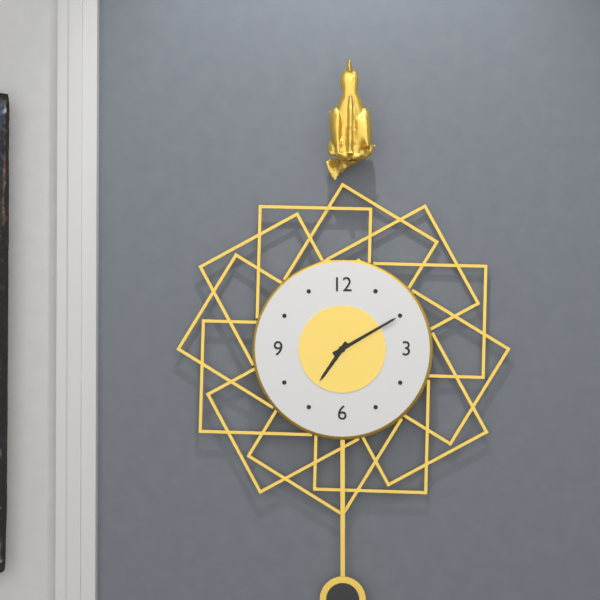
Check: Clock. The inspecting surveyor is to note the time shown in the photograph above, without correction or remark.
7:10
